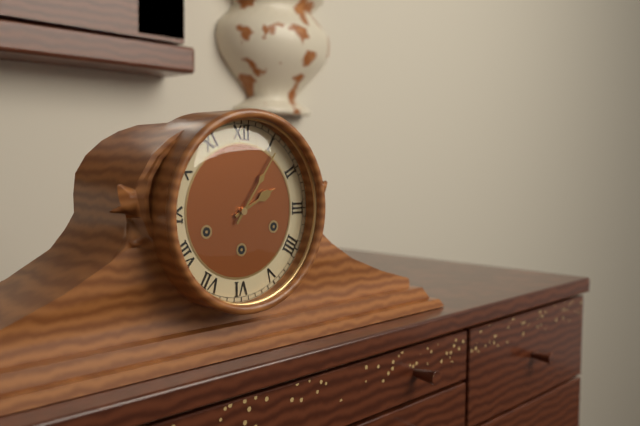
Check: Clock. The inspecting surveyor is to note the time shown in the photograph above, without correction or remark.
2:06
